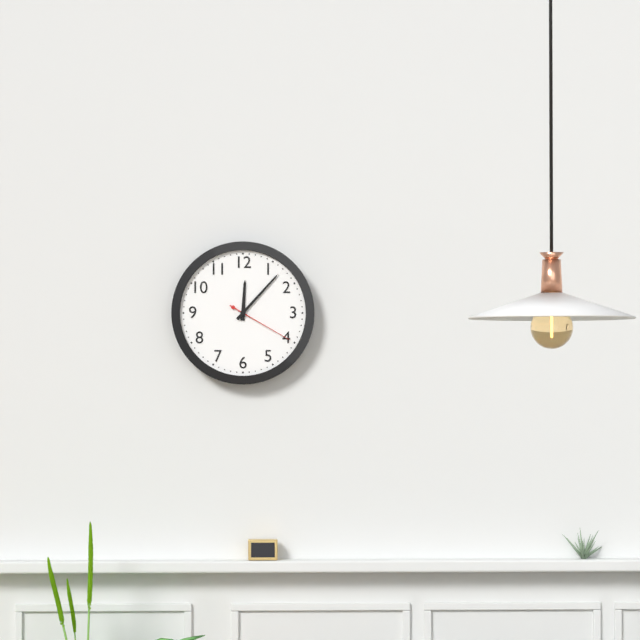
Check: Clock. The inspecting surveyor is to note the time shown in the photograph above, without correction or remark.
12:07:20
